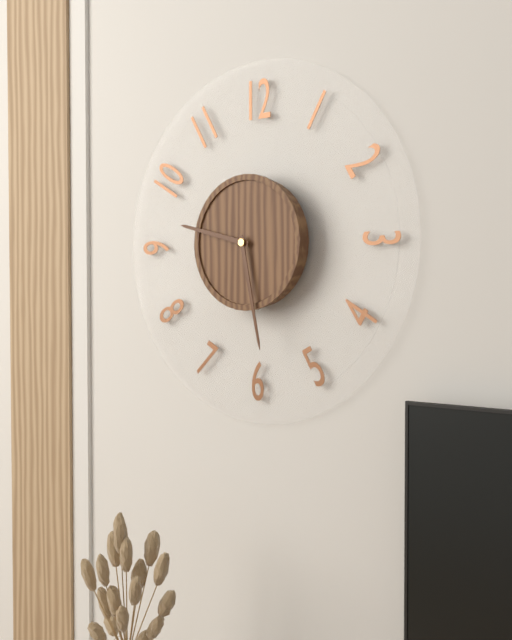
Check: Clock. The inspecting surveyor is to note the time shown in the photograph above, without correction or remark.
9:28
